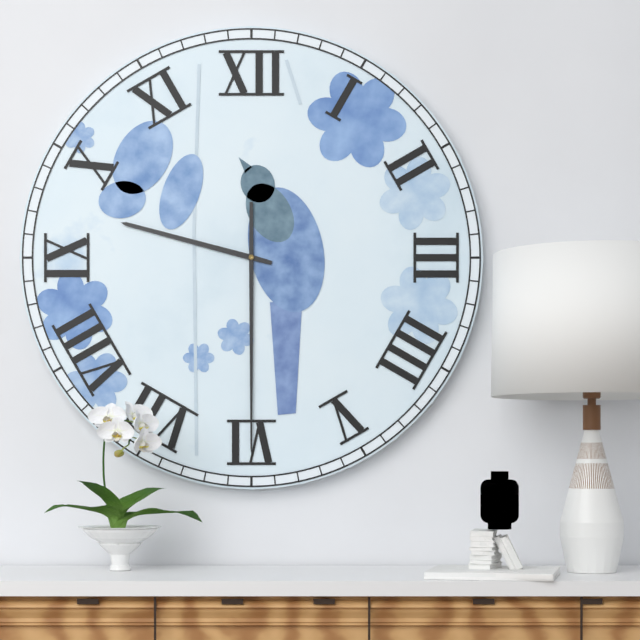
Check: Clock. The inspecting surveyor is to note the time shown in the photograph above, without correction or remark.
9:30
